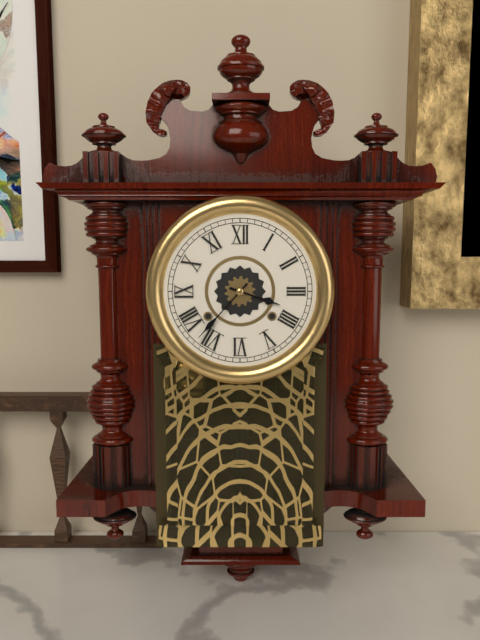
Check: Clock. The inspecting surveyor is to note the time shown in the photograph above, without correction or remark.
3:37
